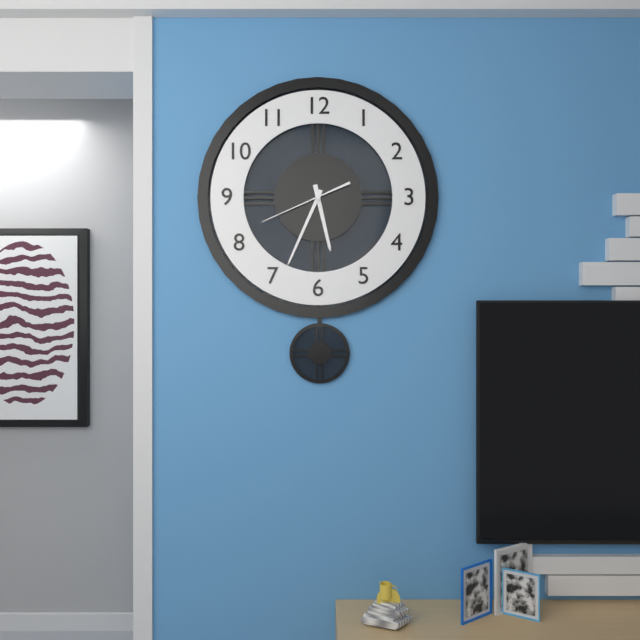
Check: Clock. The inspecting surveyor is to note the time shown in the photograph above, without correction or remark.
5:34:41
